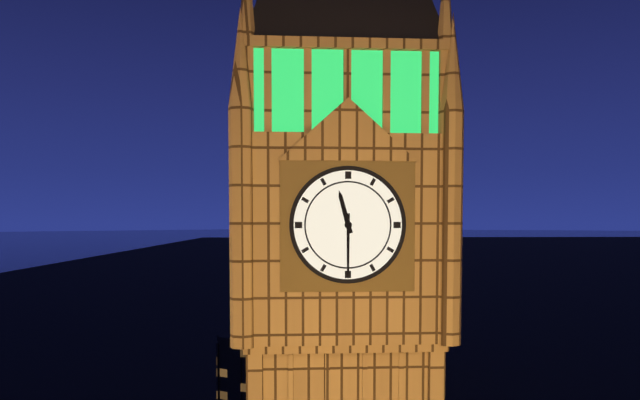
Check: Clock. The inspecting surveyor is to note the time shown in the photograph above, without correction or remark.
11:30
